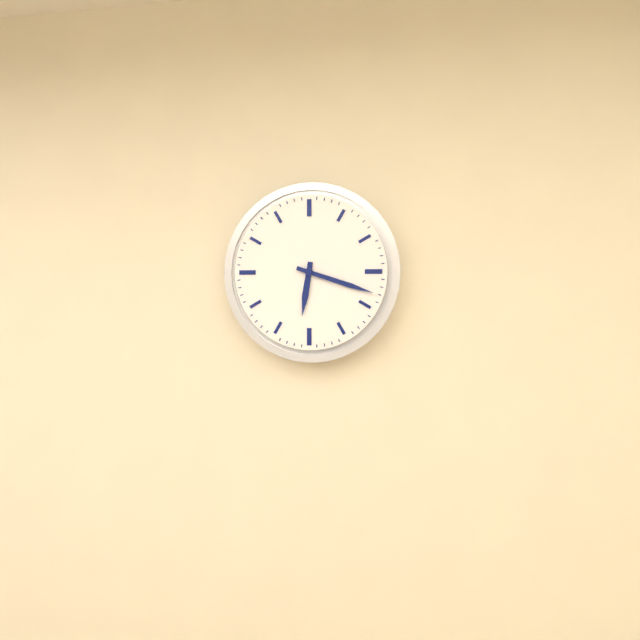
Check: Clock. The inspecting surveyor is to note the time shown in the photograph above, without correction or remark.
6:18
